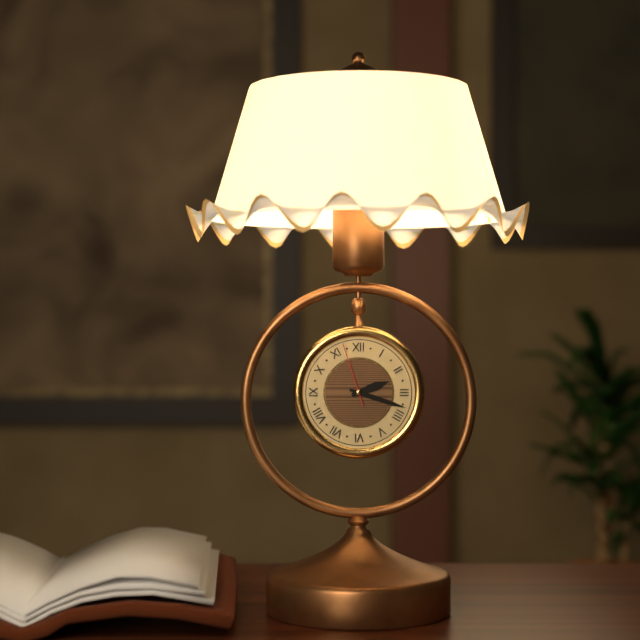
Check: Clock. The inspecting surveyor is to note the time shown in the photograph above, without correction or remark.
2:18:57
